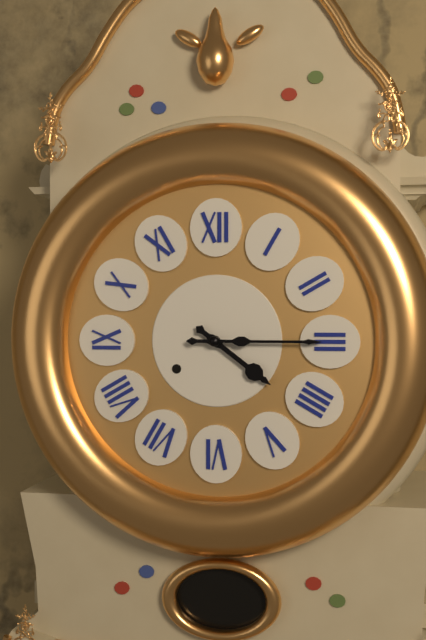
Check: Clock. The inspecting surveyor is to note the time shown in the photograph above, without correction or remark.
4:15
